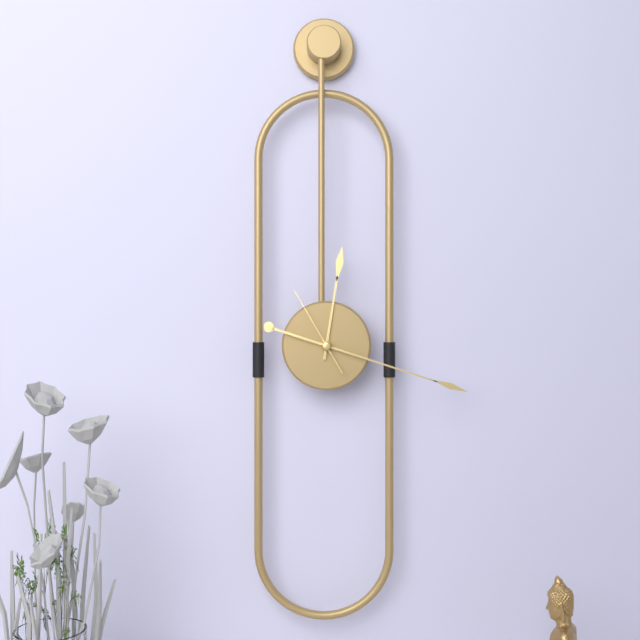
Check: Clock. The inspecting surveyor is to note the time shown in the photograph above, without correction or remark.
12:18:55
